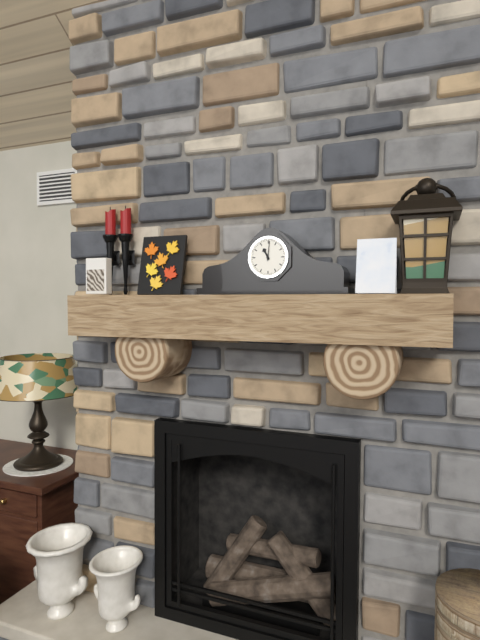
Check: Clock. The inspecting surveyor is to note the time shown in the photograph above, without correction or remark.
11:01
